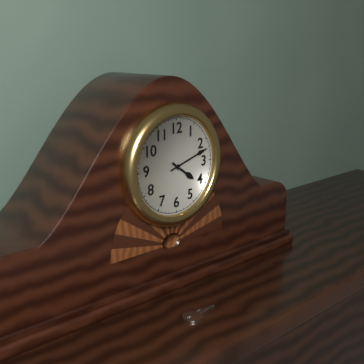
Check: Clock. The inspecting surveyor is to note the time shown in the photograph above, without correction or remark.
4:12
